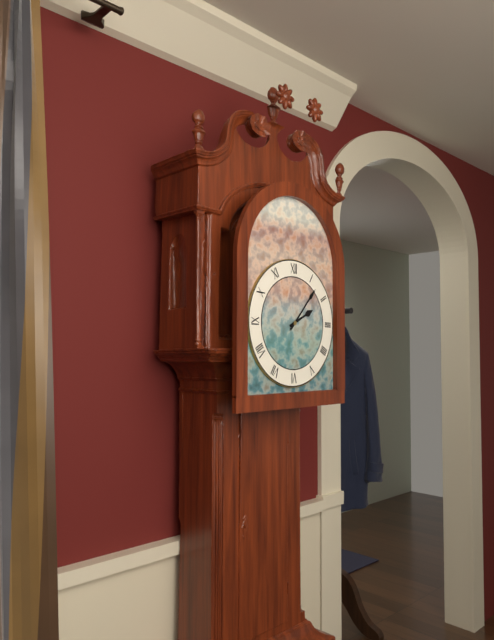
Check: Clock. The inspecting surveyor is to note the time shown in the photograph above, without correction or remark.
2:07
